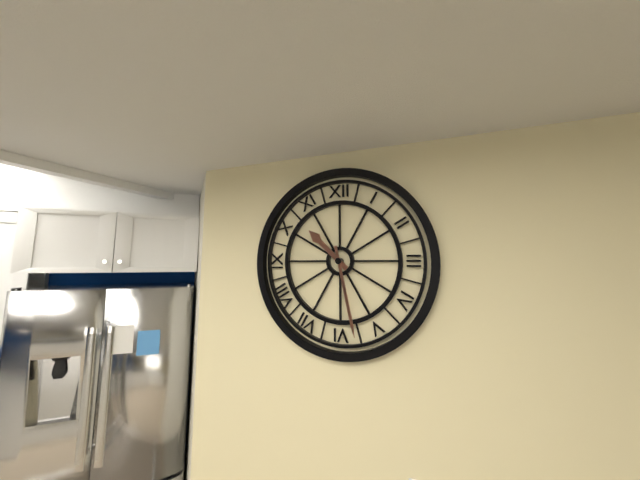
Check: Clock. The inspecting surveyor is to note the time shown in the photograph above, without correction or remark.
10:28
